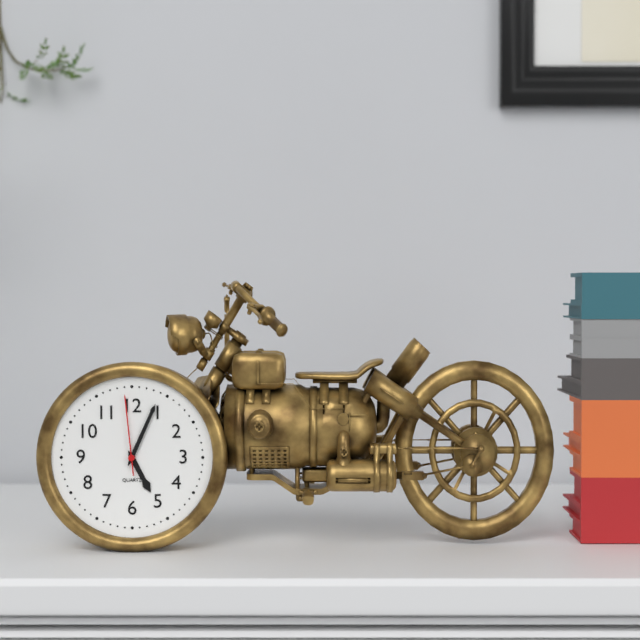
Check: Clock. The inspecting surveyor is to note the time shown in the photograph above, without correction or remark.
5:04:59
